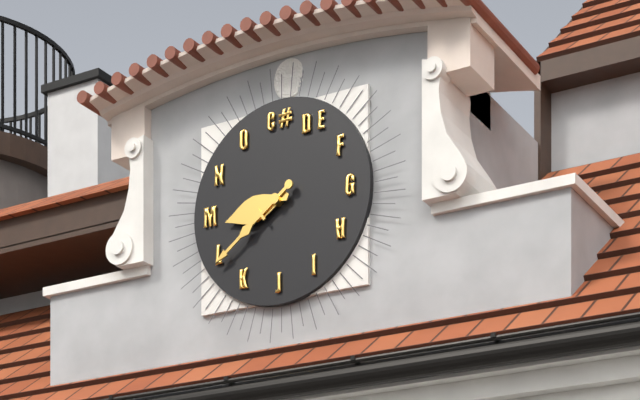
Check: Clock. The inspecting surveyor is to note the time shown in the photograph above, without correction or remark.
8:39
